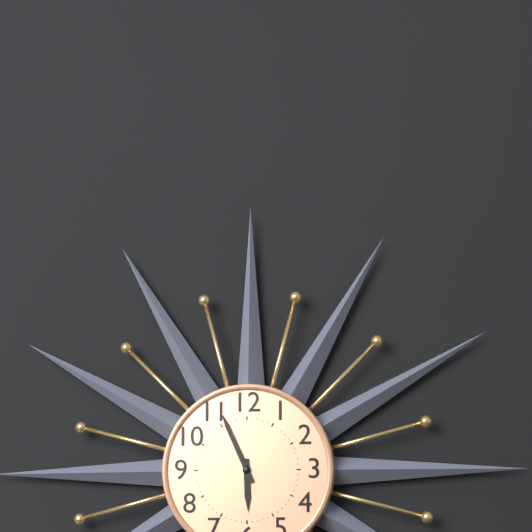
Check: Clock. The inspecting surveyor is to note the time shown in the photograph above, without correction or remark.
5:56
